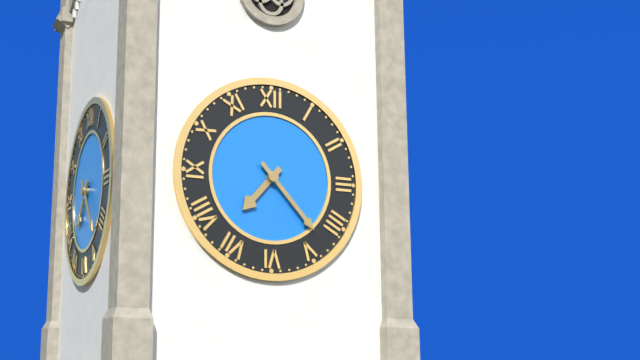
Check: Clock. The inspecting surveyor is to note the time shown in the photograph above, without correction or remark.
7:23
